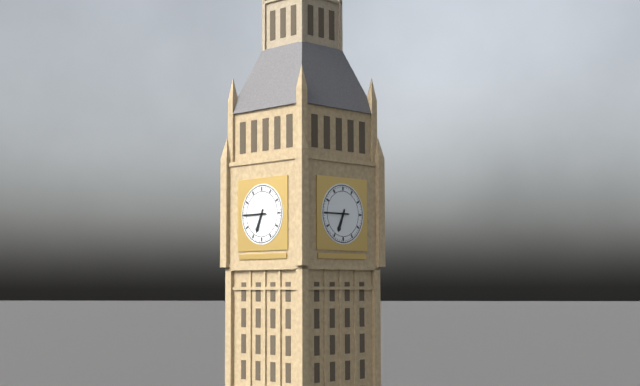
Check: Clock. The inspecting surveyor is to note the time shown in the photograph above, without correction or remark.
6:45
